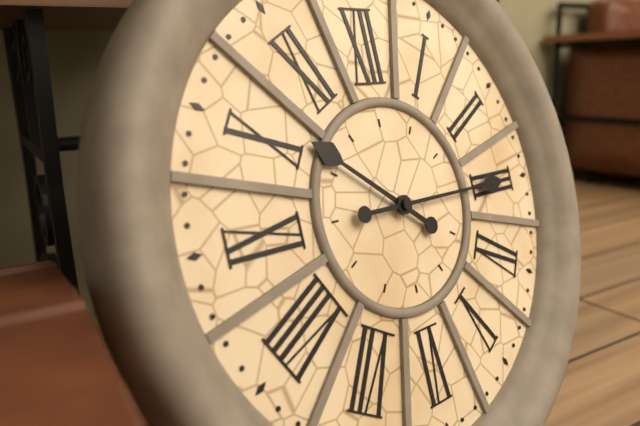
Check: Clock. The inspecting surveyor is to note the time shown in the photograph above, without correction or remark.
10:15
